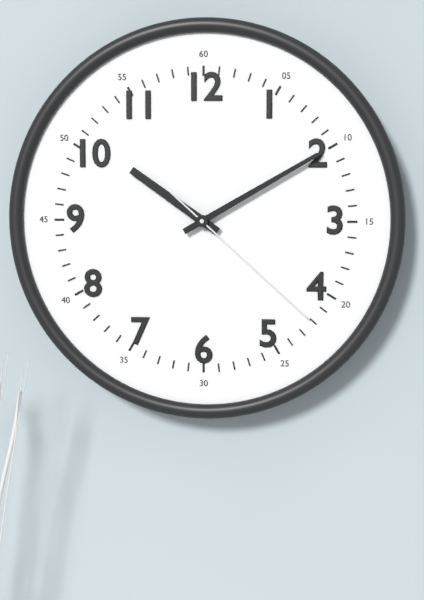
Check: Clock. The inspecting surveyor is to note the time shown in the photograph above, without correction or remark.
10:10:22
